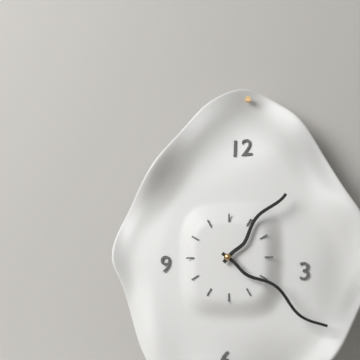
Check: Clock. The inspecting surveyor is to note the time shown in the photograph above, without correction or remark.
1:21
